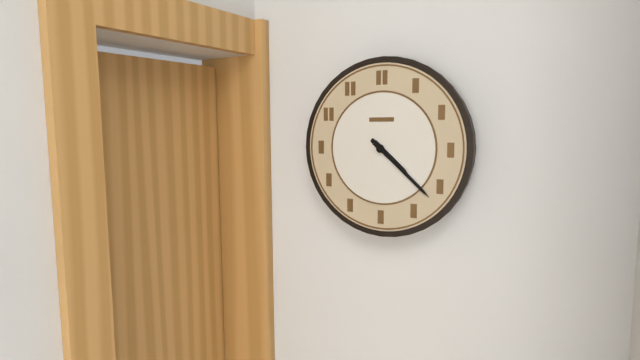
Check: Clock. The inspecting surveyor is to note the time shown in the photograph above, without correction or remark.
4:22
